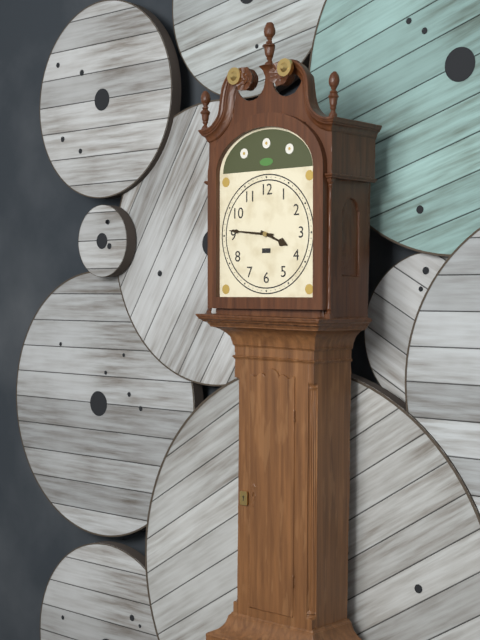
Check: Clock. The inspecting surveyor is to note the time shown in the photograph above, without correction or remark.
3:46
